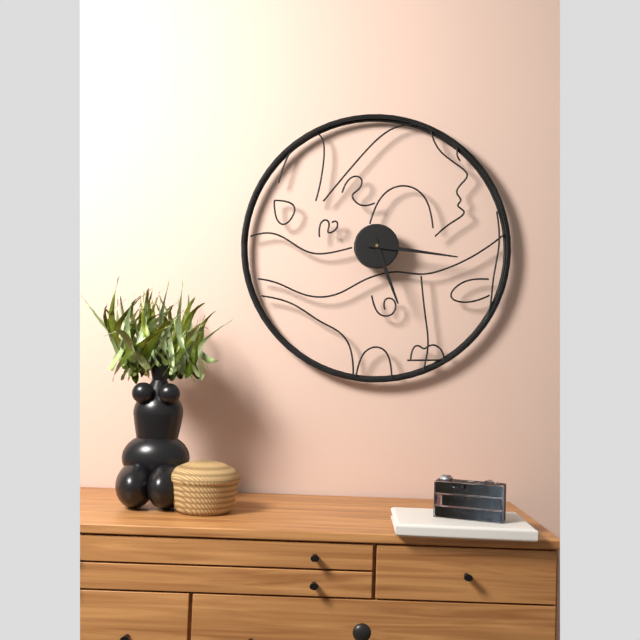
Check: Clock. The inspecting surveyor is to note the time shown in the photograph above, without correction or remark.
5:16
